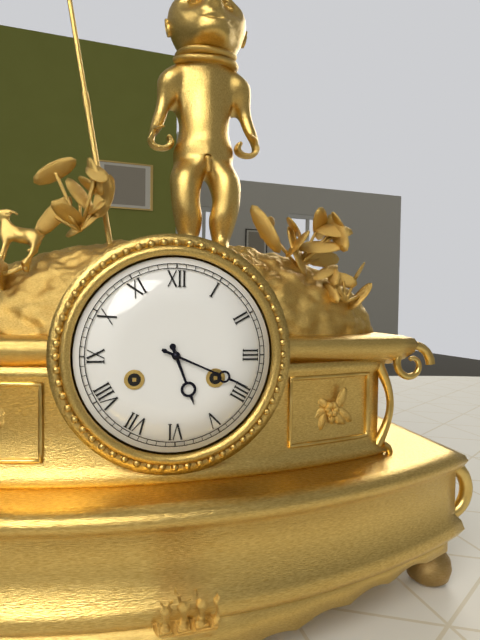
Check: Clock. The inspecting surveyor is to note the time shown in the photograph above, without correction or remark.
5:19
